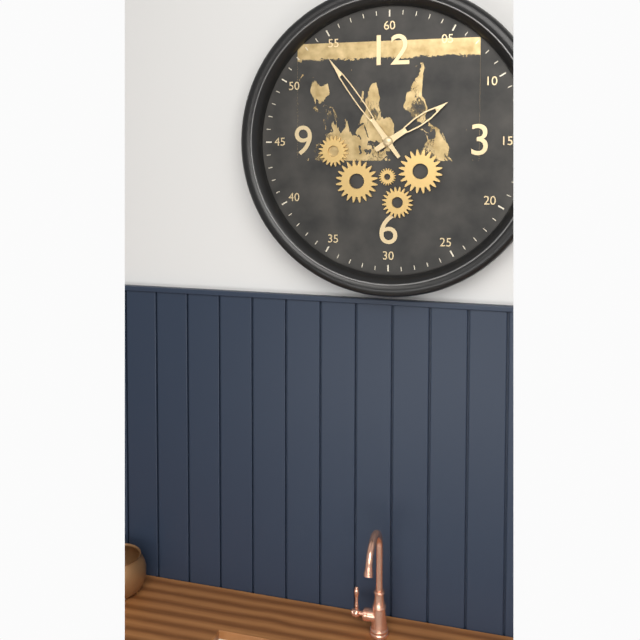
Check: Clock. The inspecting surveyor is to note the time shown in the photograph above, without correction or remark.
1:54
